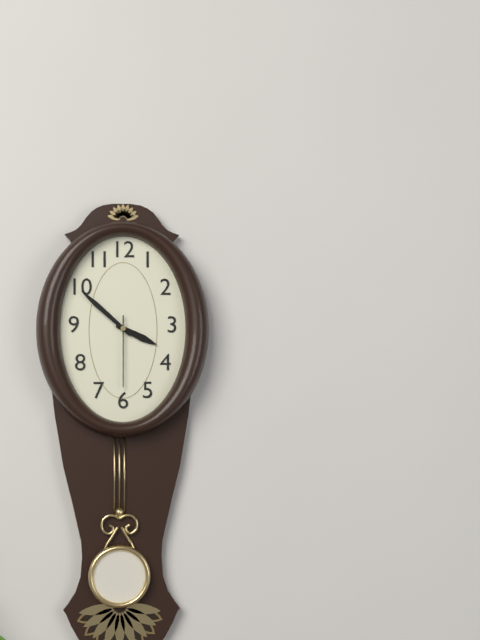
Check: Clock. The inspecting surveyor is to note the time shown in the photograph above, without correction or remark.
3:52:30
